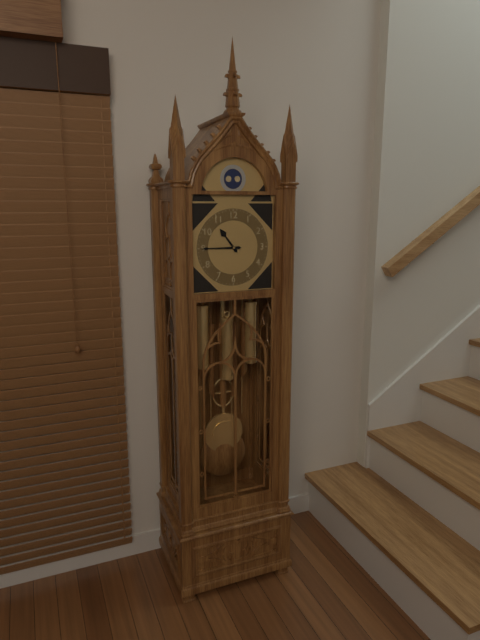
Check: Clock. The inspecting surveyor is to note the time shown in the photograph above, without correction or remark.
10:45
